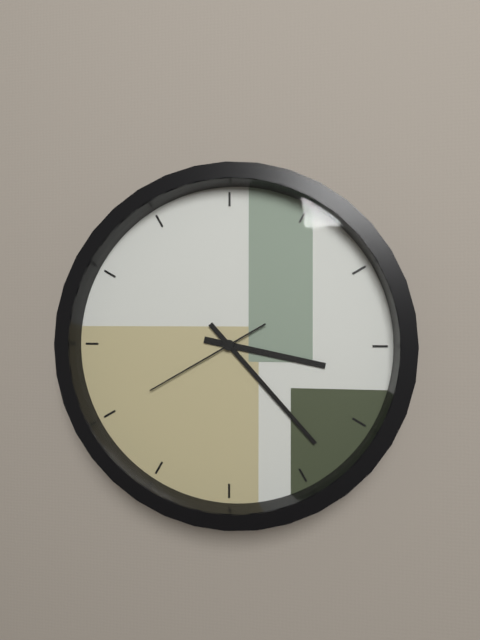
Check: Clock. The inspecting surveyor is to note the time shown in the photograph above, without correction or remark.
3:23:40
